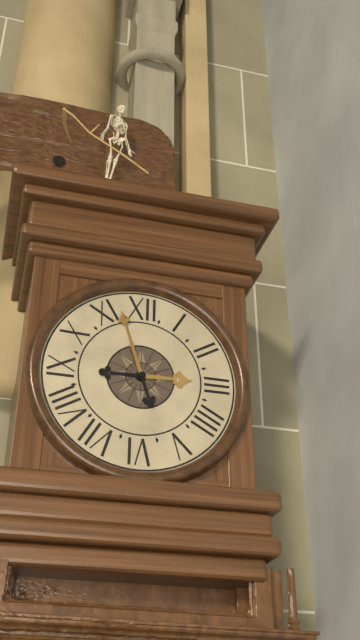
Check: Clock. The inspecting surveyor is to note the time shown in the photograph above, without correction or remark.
2:57
